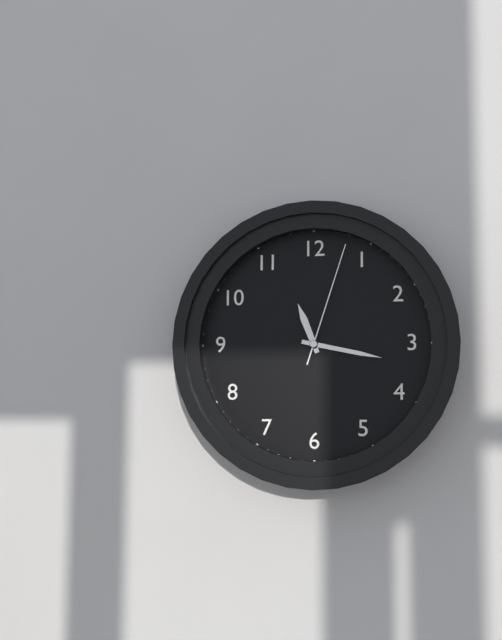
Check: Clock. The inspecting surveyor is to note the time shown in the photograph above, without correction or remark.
11:17:03
